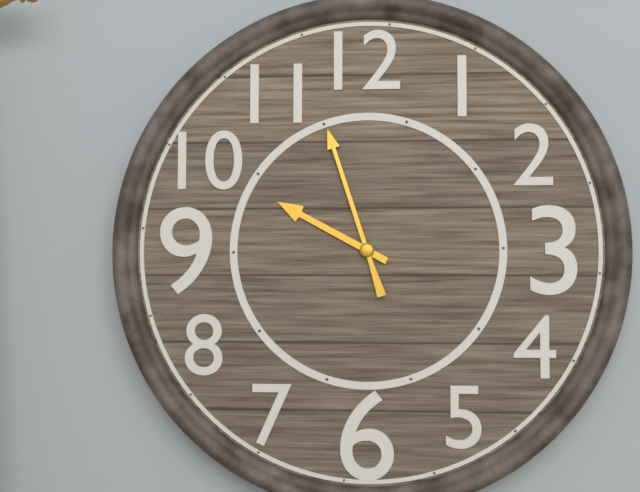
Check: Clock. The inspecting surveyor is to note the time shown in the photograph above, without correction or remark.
9:57
